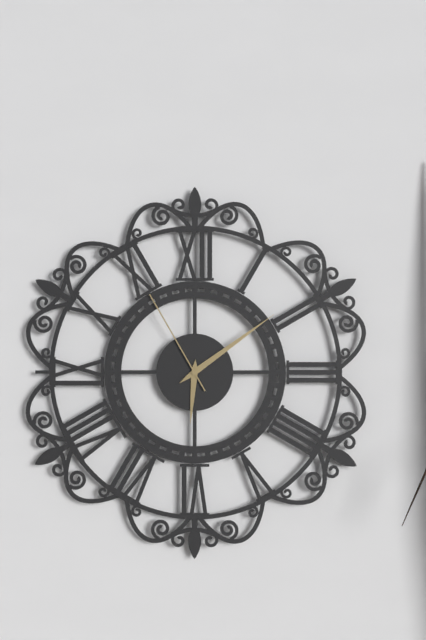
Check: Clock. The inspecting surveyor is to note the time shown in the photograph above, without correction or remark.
6:09:55
